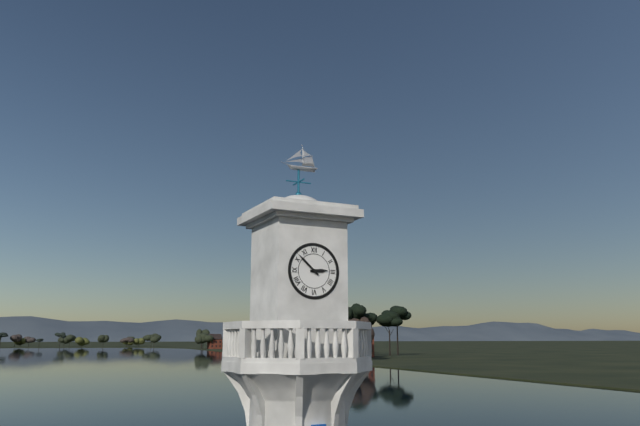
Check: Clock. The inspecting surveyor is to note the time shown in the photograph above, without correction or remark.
2:52
